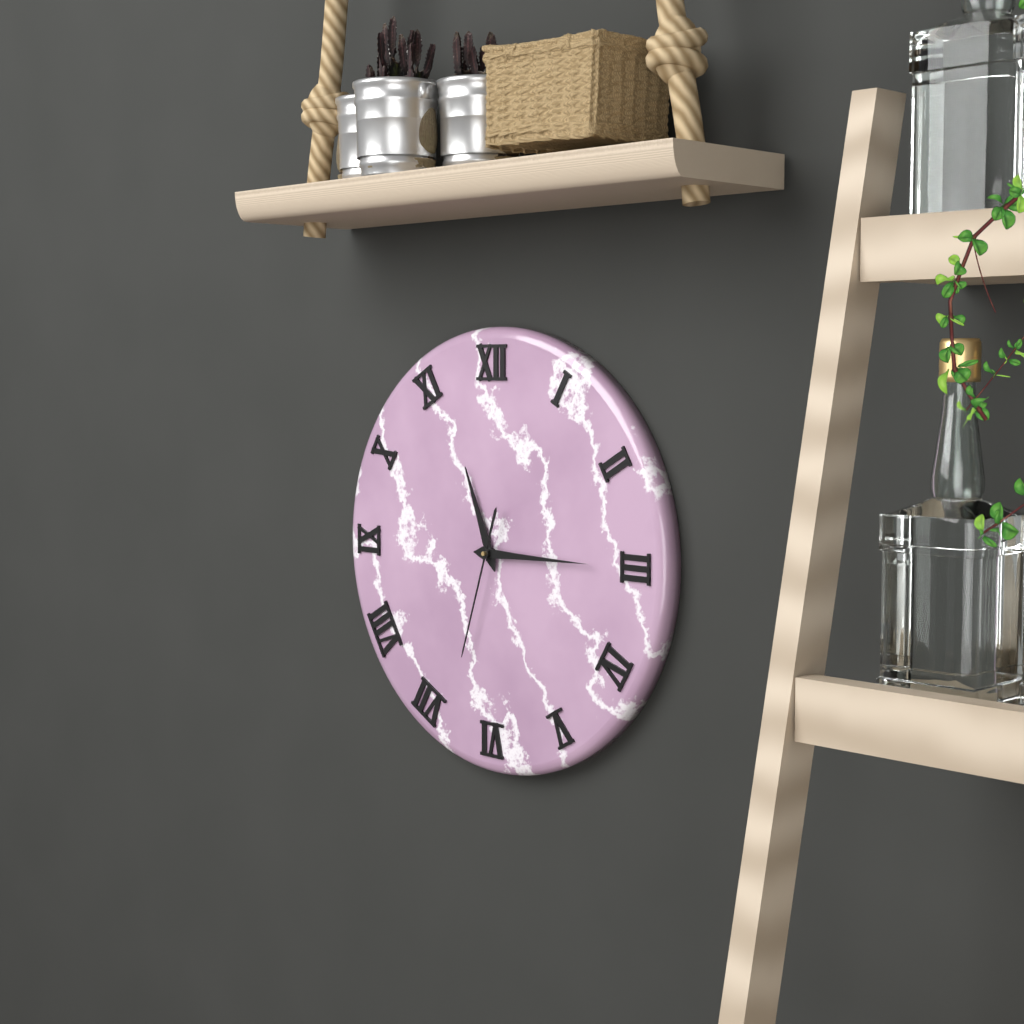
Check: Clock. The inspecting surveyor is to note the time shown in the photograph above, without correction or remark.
11:15:33
